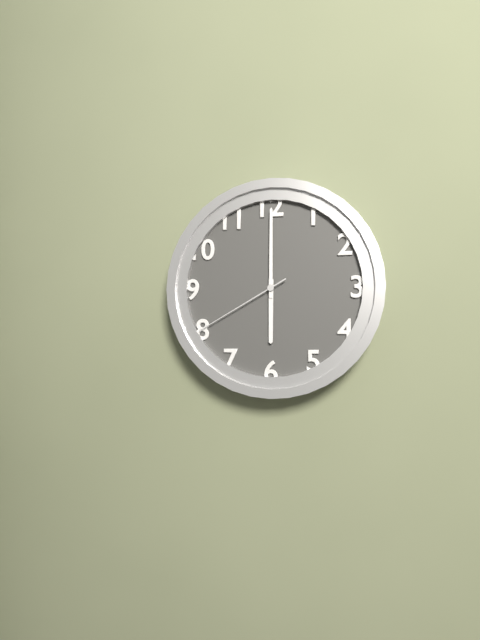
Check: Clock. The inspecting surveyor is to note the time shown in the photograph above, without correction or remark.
6:00:40
